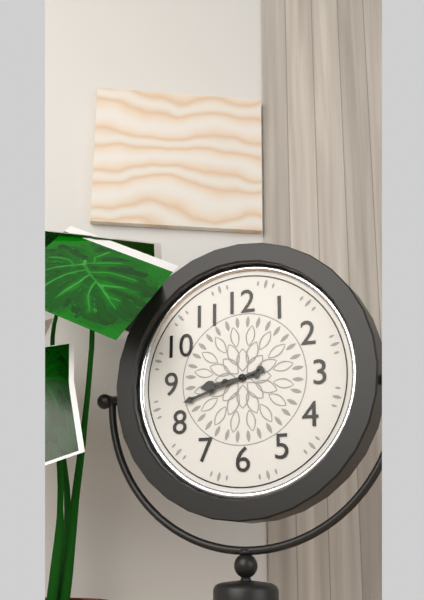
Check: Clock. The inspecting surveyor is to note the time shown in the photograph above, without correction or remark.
8:42
